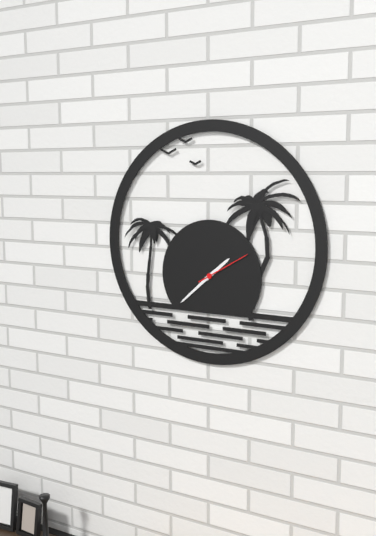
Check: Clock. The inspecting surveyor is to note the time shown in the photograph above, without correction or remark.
1:38:10
